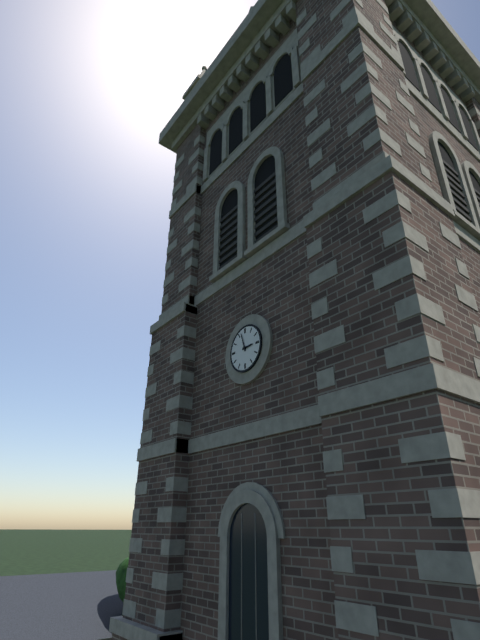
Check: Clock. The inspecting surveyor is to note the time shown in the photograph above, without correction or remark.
2:57
